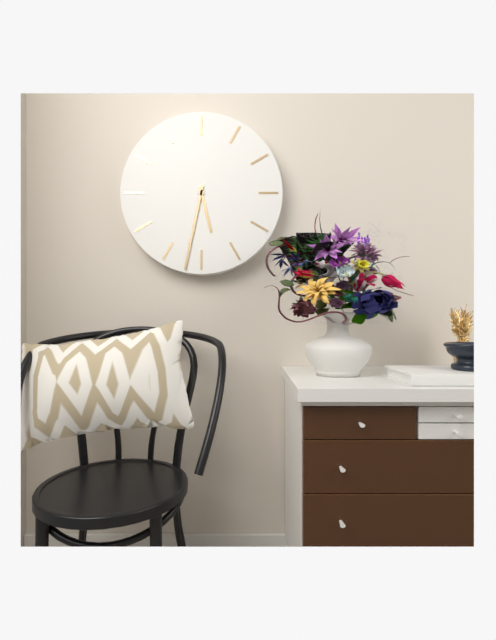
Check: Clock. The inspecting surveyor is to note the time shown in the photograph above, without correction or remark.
5:32
